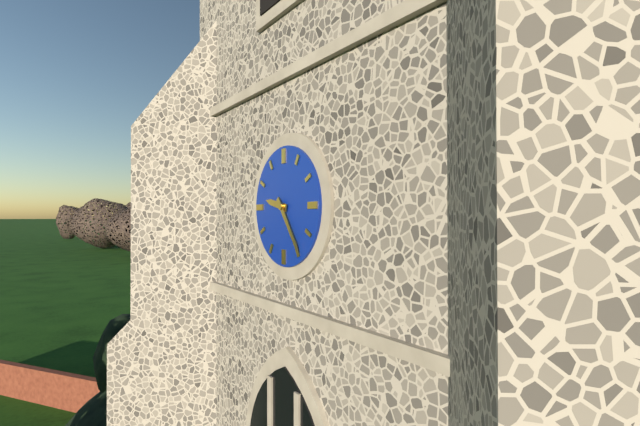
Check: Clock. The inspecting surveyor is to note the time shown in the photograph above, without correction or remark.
9:24
